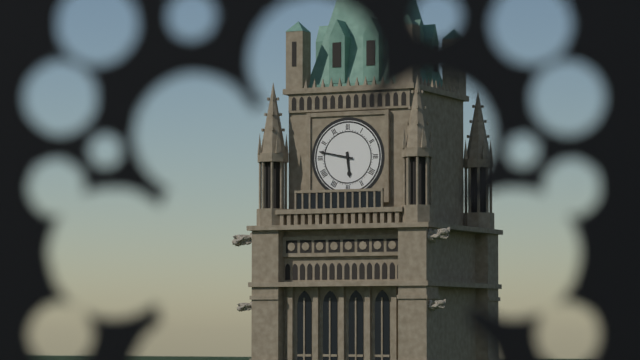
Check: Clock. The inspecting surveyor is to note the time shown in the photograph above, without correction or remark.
5:47
